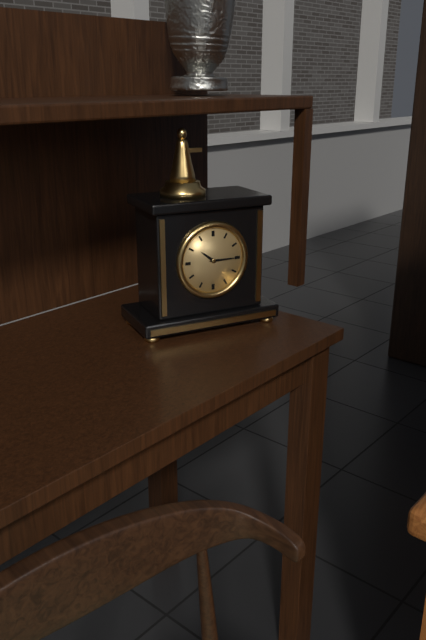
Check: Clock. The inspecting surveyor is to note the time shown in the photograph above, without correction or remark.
10:15
